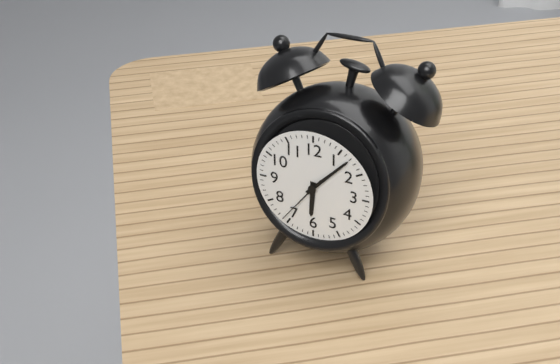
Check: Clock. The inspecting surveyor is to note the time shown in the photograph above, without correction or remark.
6:07:36
